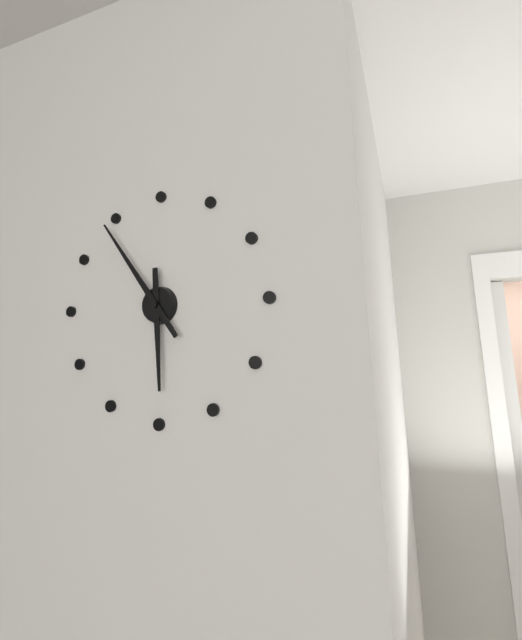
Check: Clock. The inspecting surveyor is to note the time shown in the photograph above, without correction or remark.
5:54
